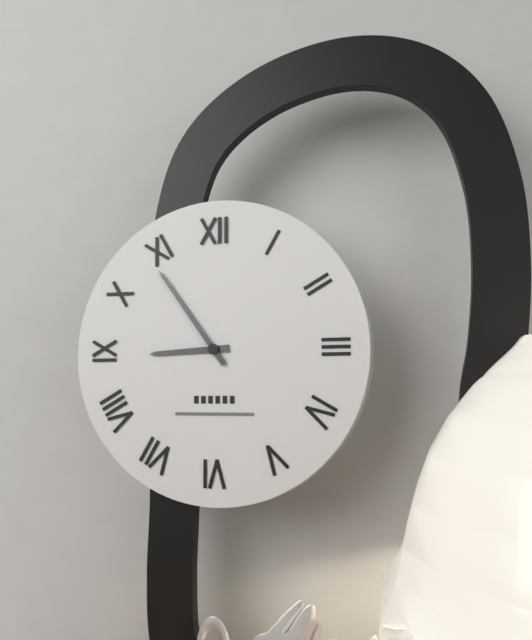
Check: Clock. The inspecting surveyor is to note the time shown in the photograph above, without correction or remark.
8:54
